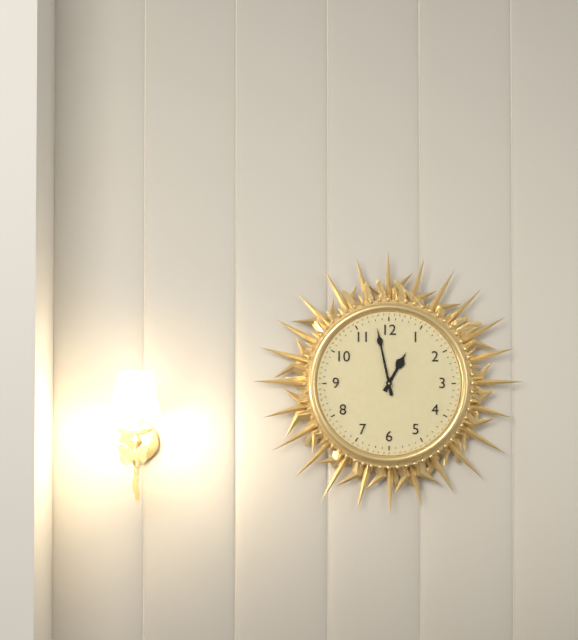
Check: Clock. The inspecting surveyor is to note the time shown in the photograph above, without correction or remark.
12:58
